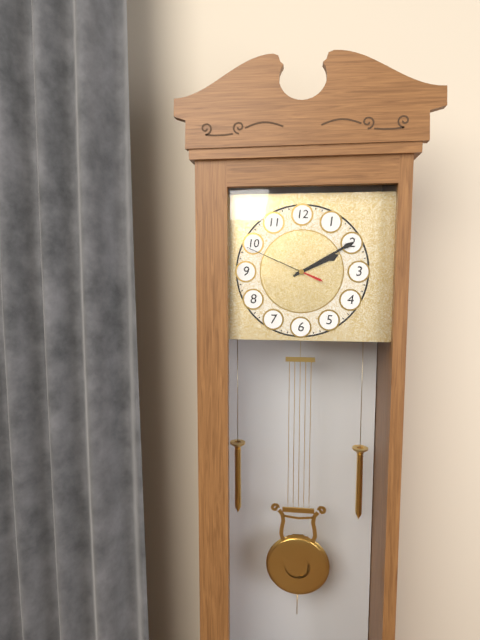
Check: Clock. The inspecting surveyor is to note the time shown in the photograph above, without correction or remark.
2:10:49
